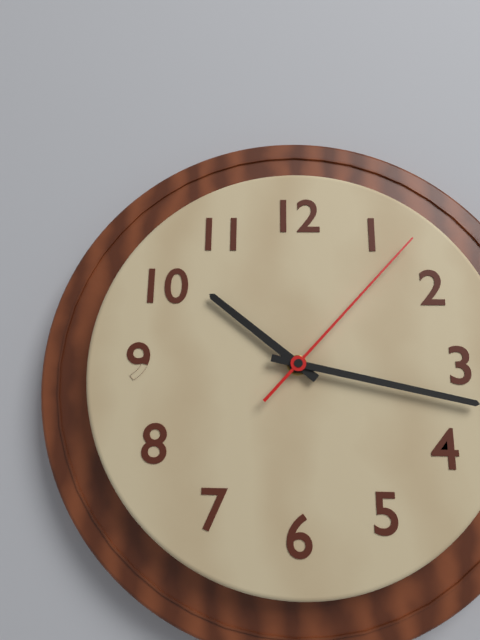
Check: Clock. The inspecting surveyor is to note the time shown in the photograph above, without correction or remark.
10:17:07
